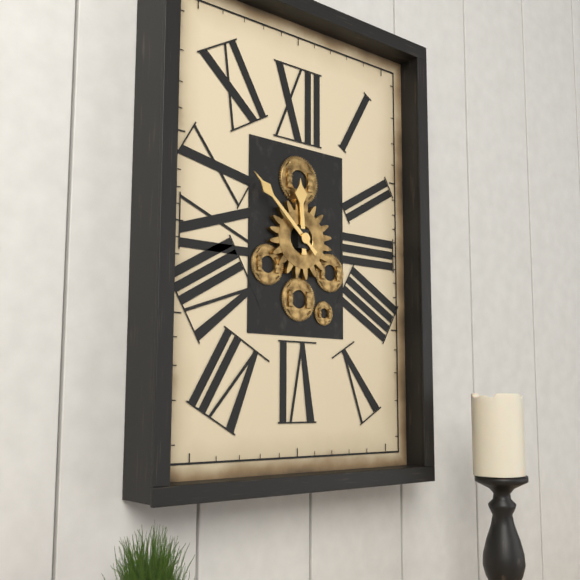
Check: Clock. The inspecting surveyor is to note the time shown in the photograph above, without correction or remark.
11:52
